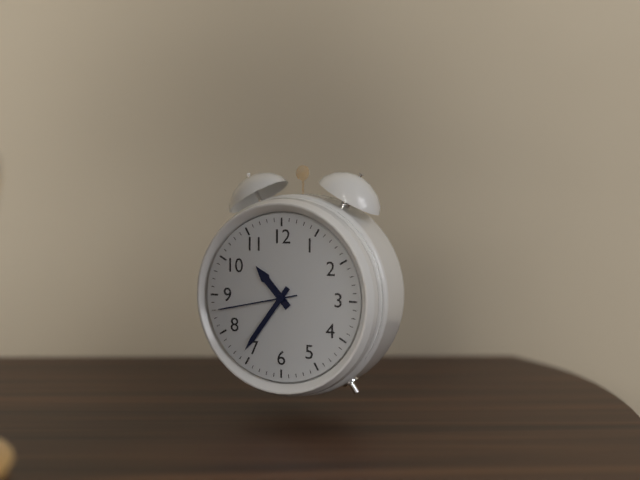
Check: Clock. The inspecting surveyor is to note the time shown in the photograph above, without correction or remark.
10:36:43
